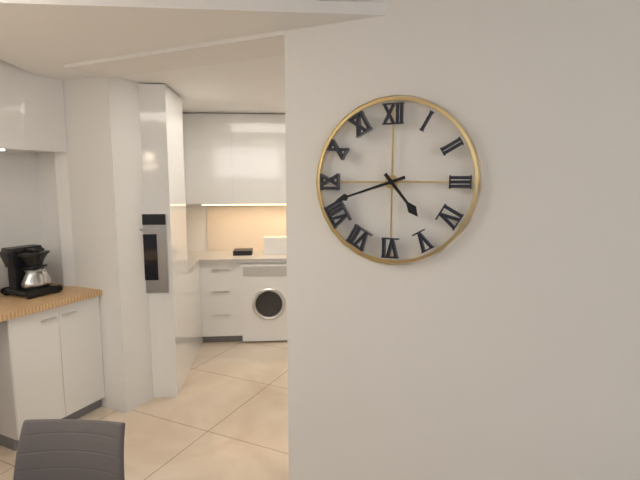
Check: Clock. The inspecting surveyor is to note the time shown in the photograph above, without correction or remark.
4:42
